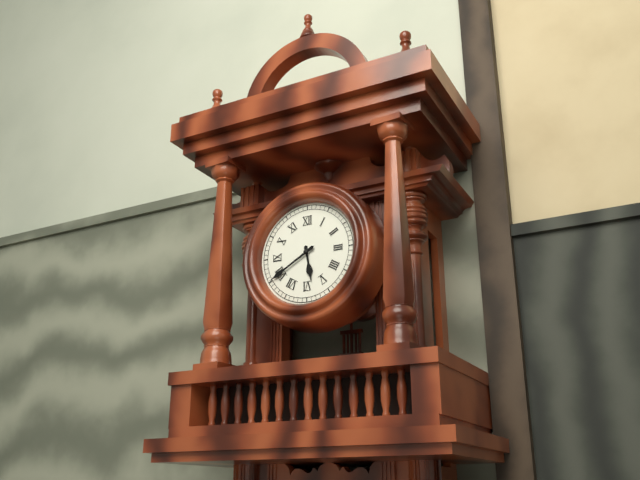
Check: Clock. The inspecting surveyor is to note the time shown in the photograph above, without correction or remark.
5:40
